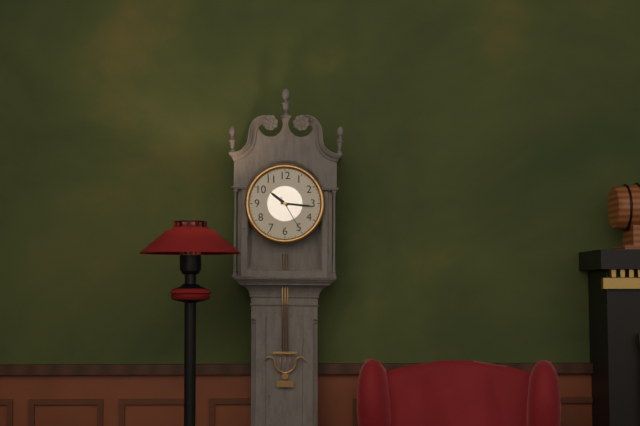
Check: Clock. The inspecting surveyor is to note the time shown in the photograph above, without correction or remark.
10:16
